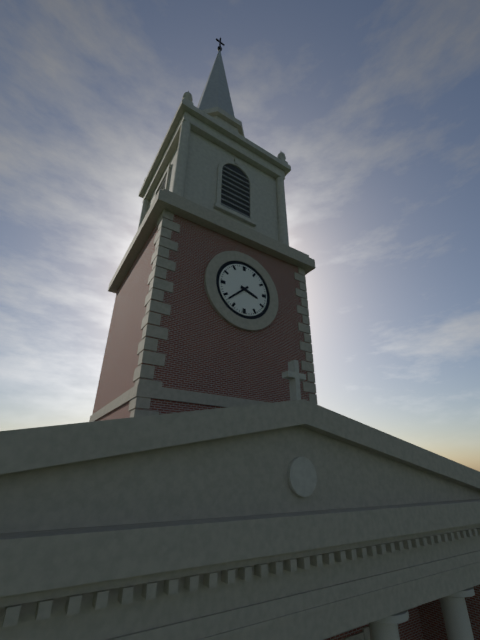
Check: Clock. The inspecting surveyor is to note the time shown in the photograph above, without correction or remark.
3:38
